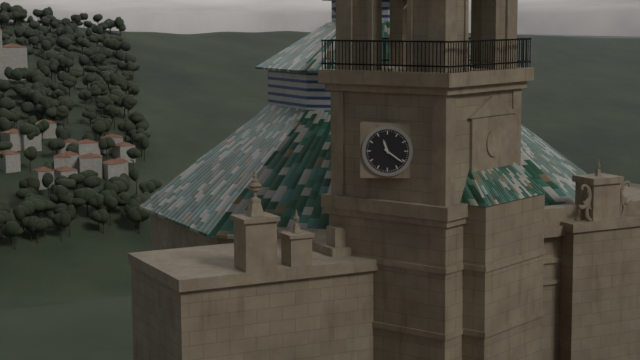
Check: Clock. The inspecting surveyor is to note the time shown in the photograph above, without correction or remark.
11:21
